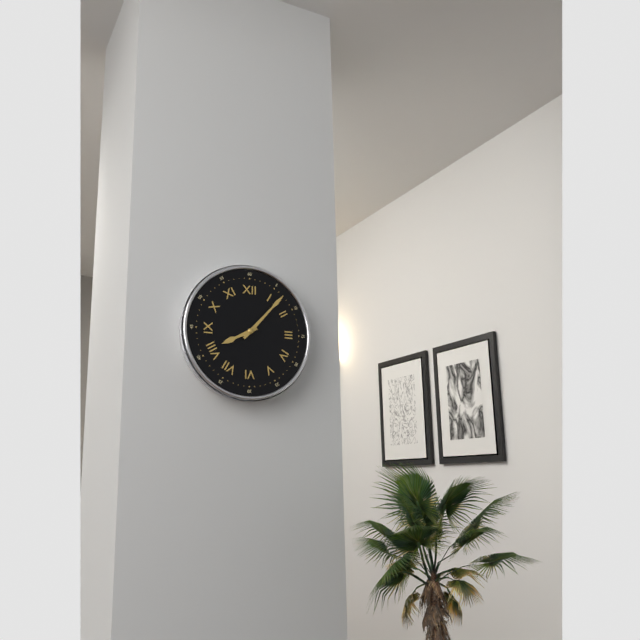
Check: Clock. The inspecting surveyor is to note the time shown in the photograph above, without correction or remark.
8:07
